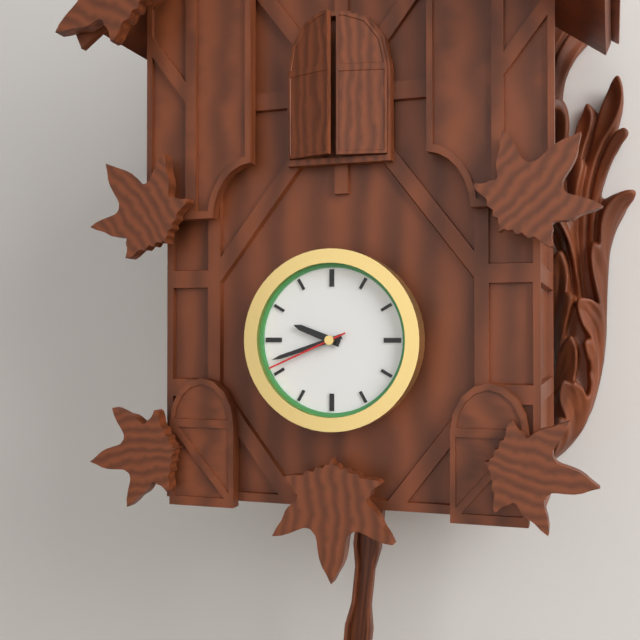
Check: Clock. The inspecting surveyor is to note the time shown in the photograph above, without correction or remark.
9:42:41
